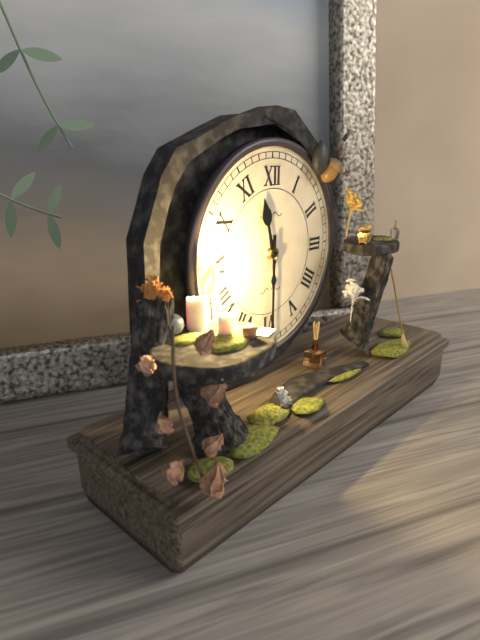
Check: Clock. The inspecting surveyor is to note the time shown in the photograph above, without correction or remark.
11:30
